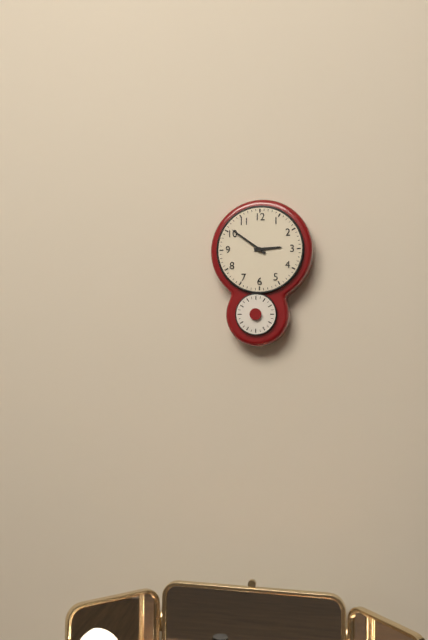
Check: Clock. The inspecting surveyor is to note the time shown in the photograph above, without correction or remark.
2:51
